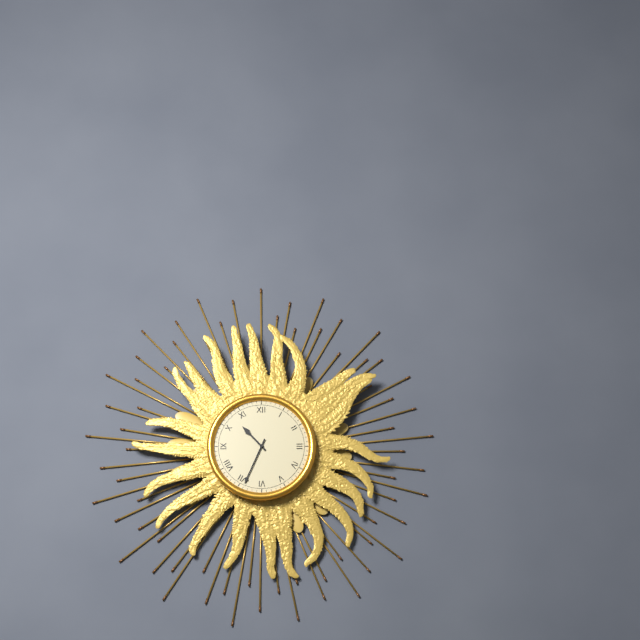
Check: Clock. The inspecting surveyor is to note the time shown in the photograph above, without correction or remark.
10:34
